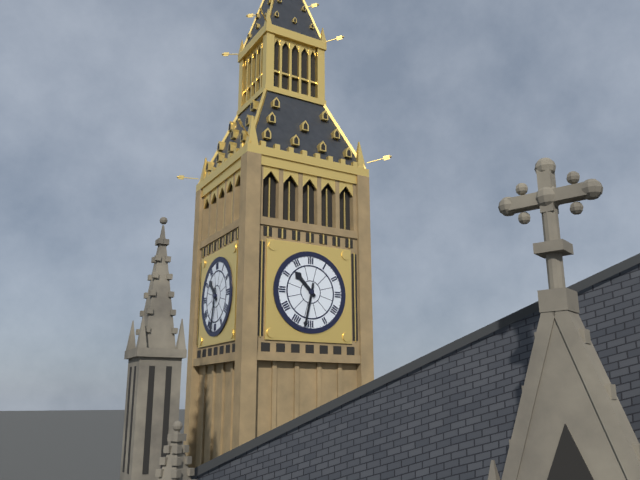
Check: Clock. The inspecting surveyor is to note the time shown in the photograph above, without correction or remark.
10:32
